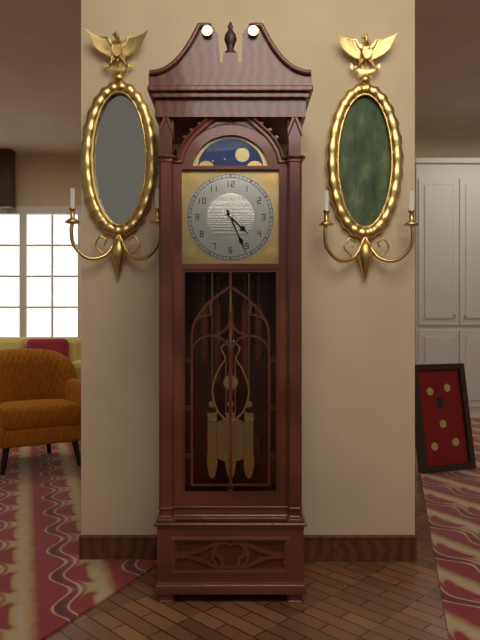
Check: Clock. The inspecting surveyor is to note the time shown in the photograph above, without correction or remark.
4:26
